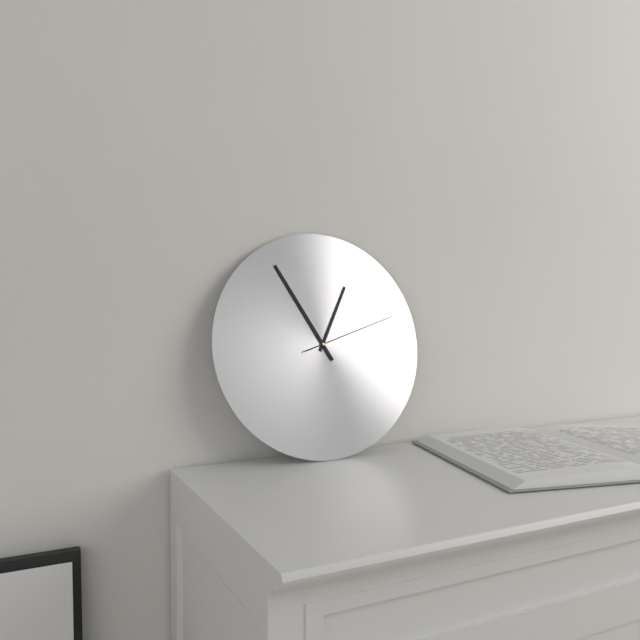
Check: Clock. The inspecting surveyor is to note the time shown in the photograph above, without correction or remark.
12:55:12
